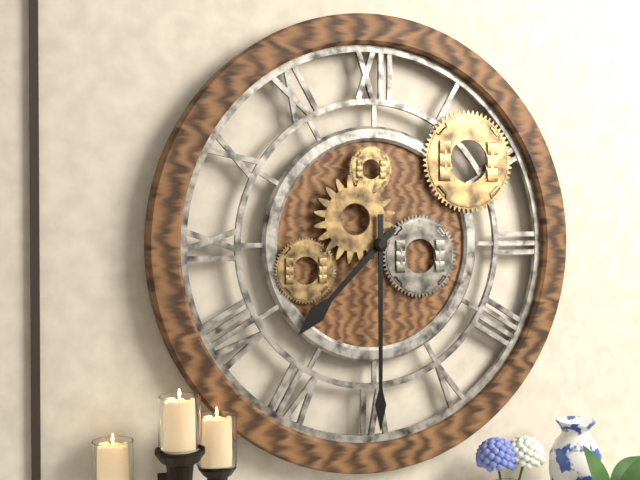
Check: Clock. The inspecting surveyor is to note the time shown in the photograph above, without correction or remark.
7:30
